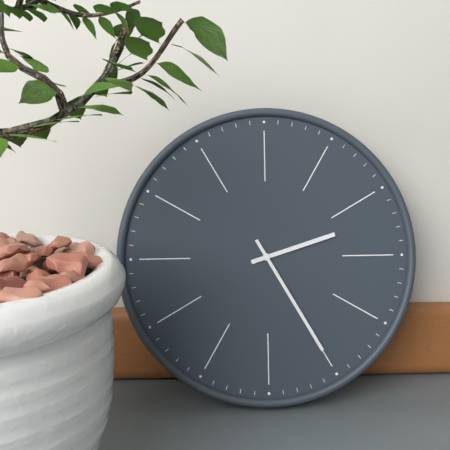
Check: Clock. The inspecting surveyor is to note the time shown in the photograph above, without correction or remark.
2:25
